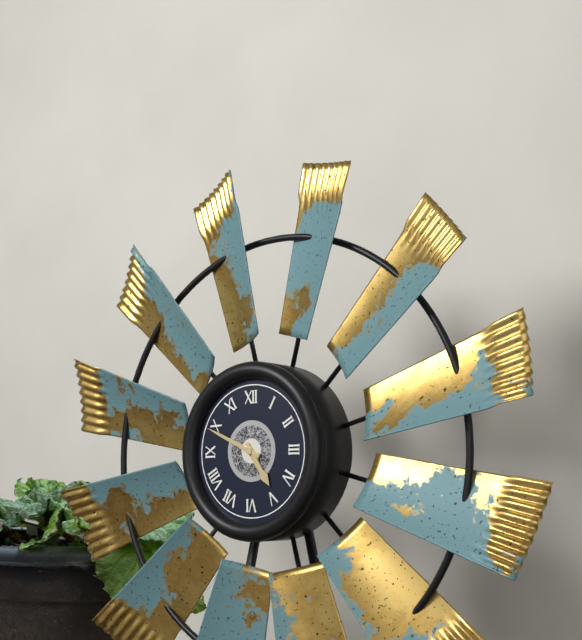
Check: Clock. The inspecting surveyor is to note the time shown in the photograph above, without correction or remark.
4:49
